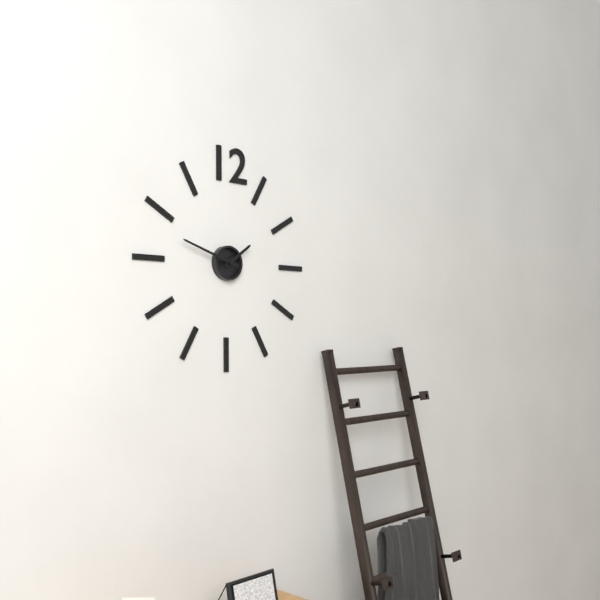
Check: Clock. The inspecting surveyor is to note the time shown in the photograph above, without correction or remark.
1:48
